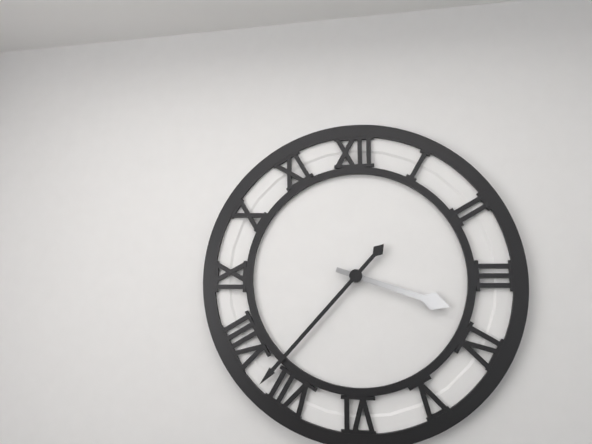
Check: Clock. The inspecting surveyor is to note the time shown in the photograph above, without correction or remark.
3:37
